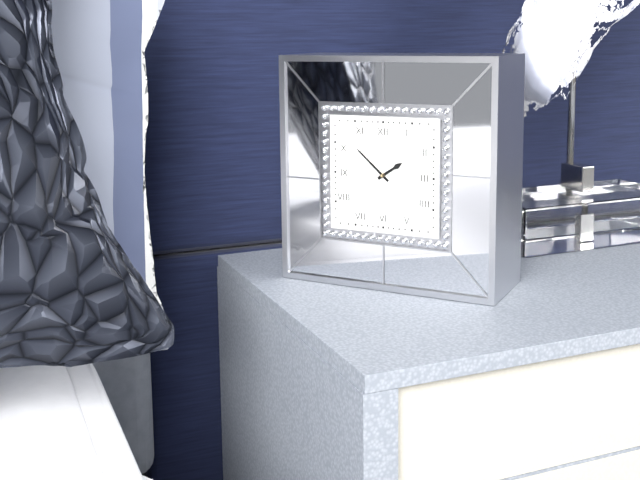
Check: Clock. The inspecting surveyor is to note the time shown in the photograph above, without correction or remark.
1:52
